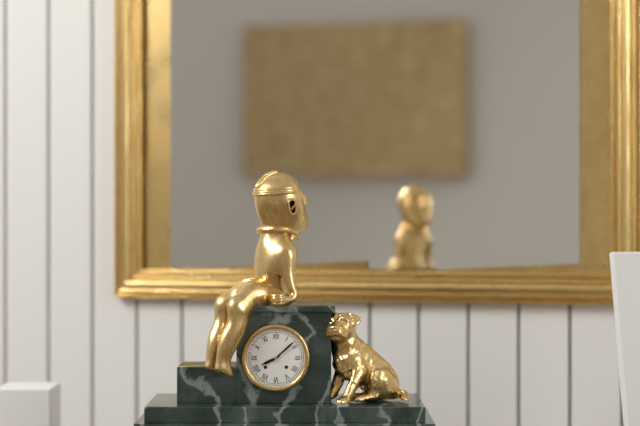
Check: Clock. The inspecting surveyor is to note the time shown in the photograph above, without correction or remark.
8:08
